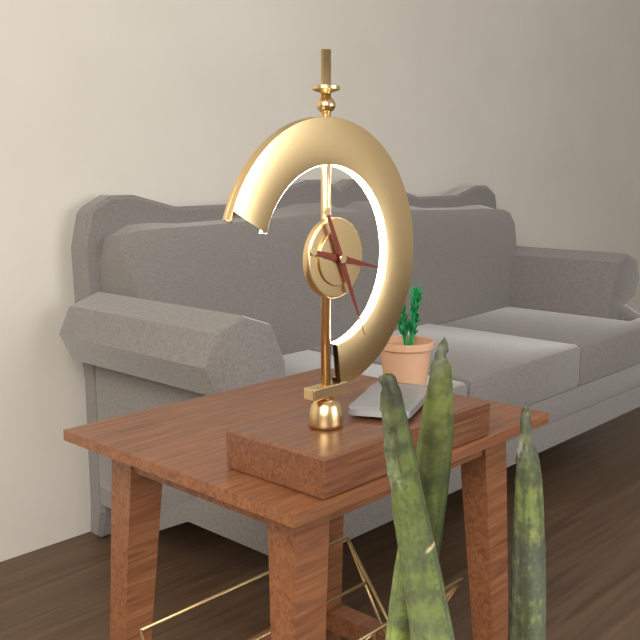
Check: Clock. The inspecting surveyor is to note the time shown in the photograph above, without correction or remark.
3:26
